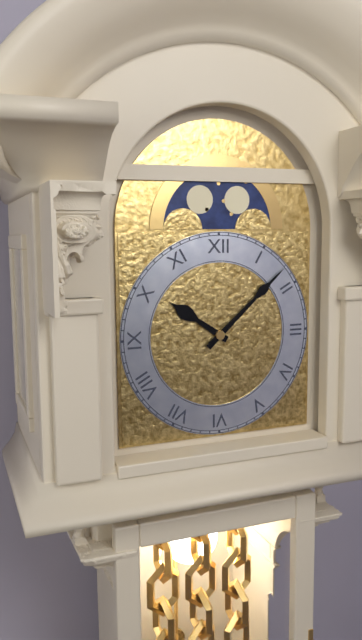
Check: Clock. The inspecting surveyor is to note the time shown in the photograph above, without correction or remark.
10:08
